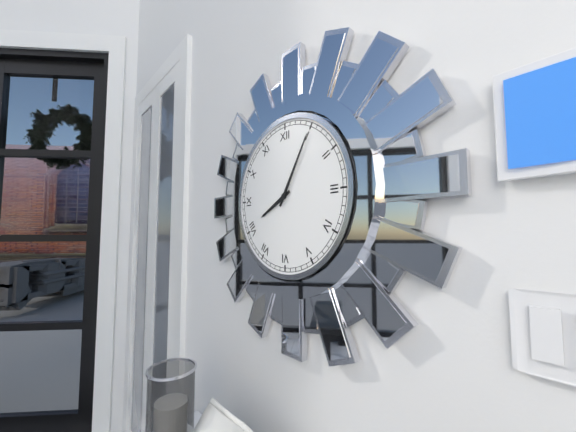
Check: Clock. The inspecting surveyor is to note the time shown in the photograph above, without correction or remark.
8:05
